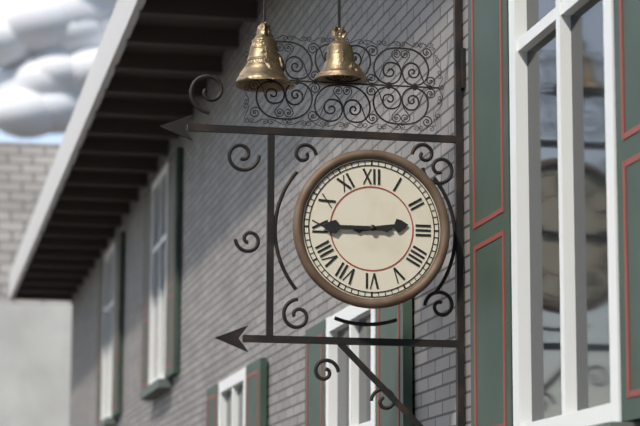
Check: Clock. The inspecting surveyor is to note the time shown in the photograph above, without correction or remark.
2:45
